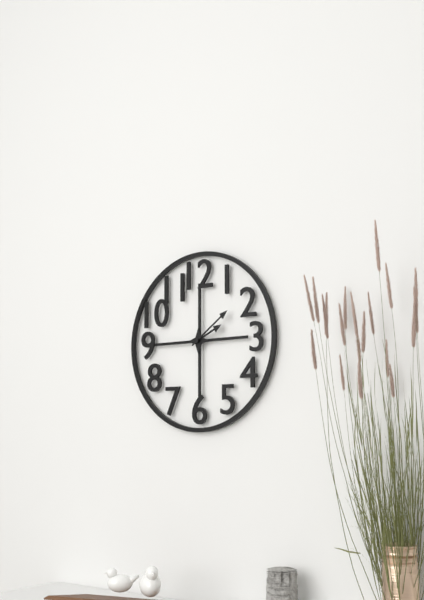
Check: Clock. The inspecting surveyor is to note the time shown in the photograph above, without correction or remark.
2:09
